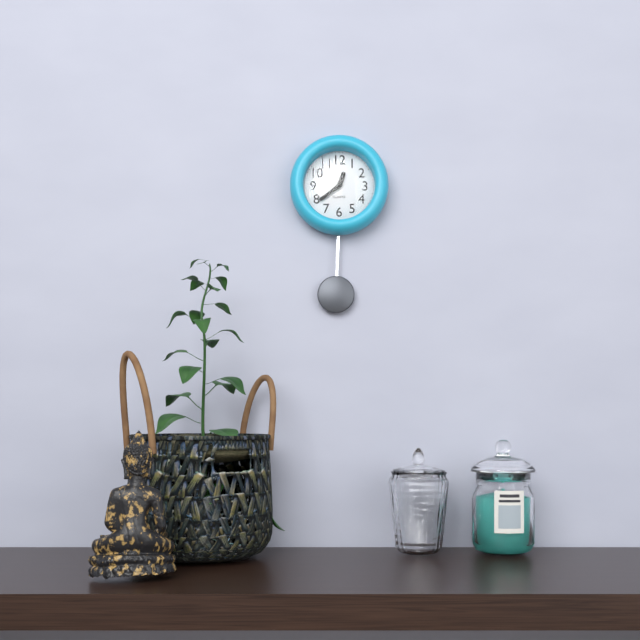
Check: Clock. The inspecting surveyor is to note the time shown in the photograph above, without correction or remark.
12:39
